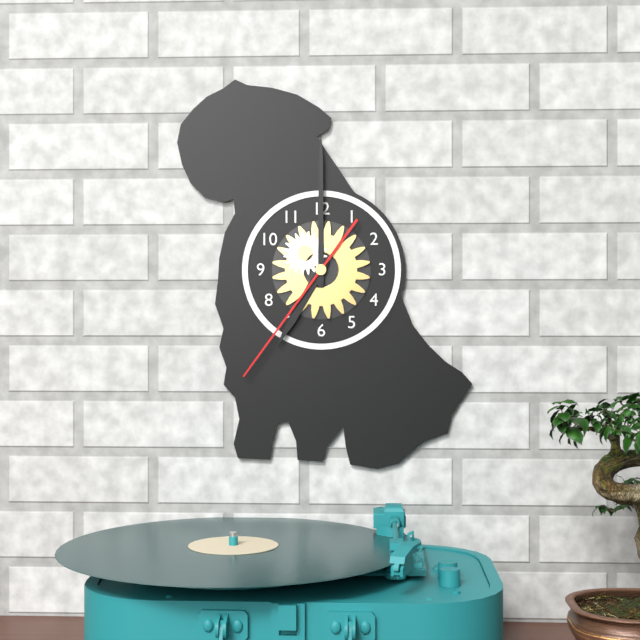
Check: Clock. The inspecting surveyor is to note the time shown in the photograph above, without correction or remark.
7:00:36
